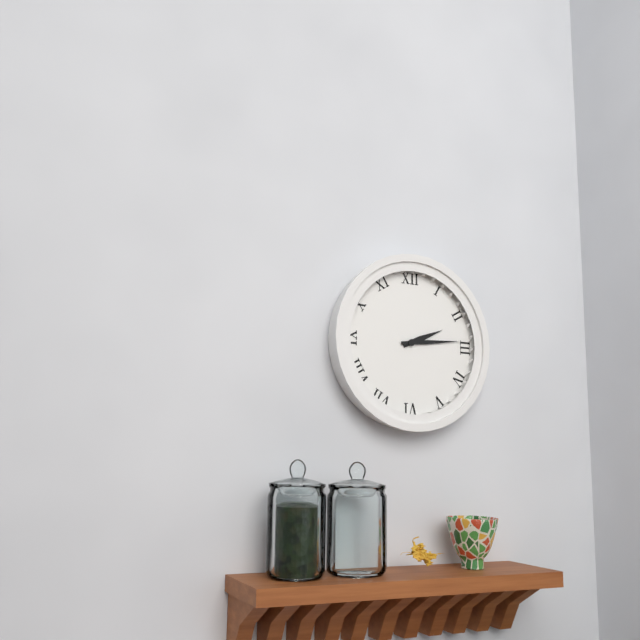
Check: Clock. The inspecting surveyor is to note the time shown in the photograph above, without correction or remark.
2:14
